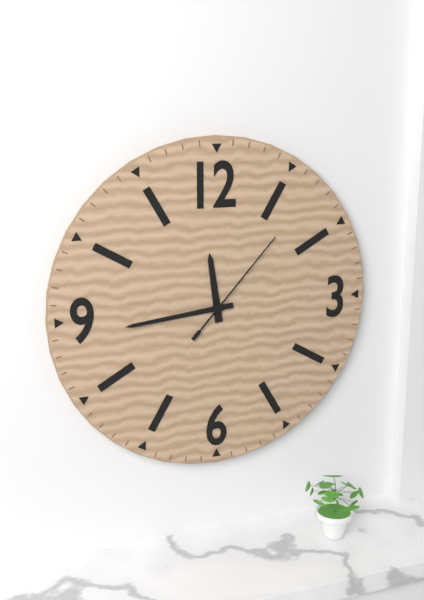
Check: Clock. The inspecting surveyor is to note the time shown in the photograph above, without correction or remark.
11:44:07
